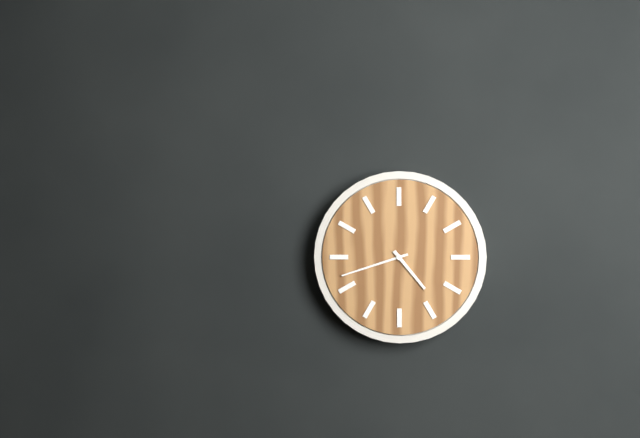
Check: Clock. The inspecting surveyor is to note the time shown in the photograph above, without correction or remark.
4:42
